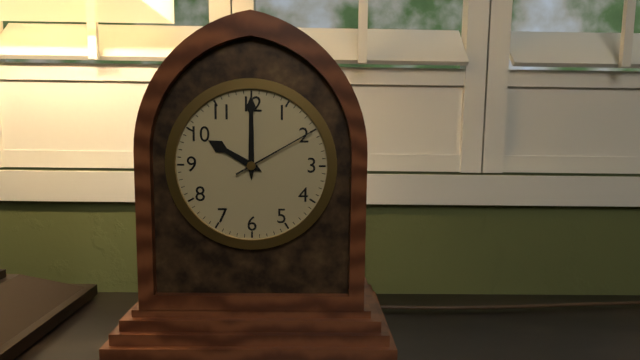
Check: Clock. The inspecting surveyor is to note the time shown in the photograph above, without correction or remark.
10:00:10
